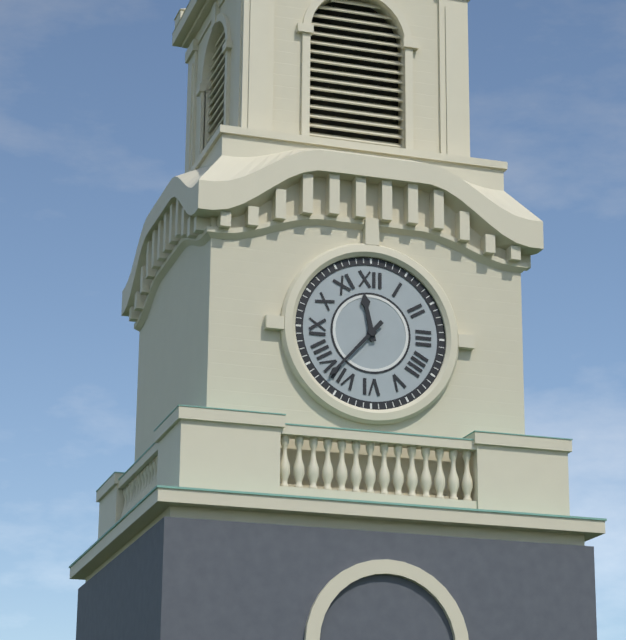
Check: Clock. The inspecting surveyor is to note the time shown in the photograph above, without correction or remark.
11:37
